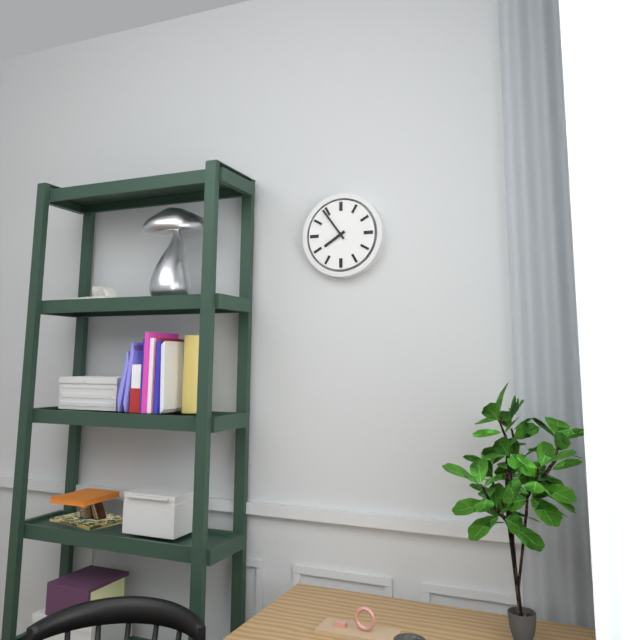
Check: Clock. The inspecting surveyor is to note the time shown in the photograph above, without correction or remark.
7:54
